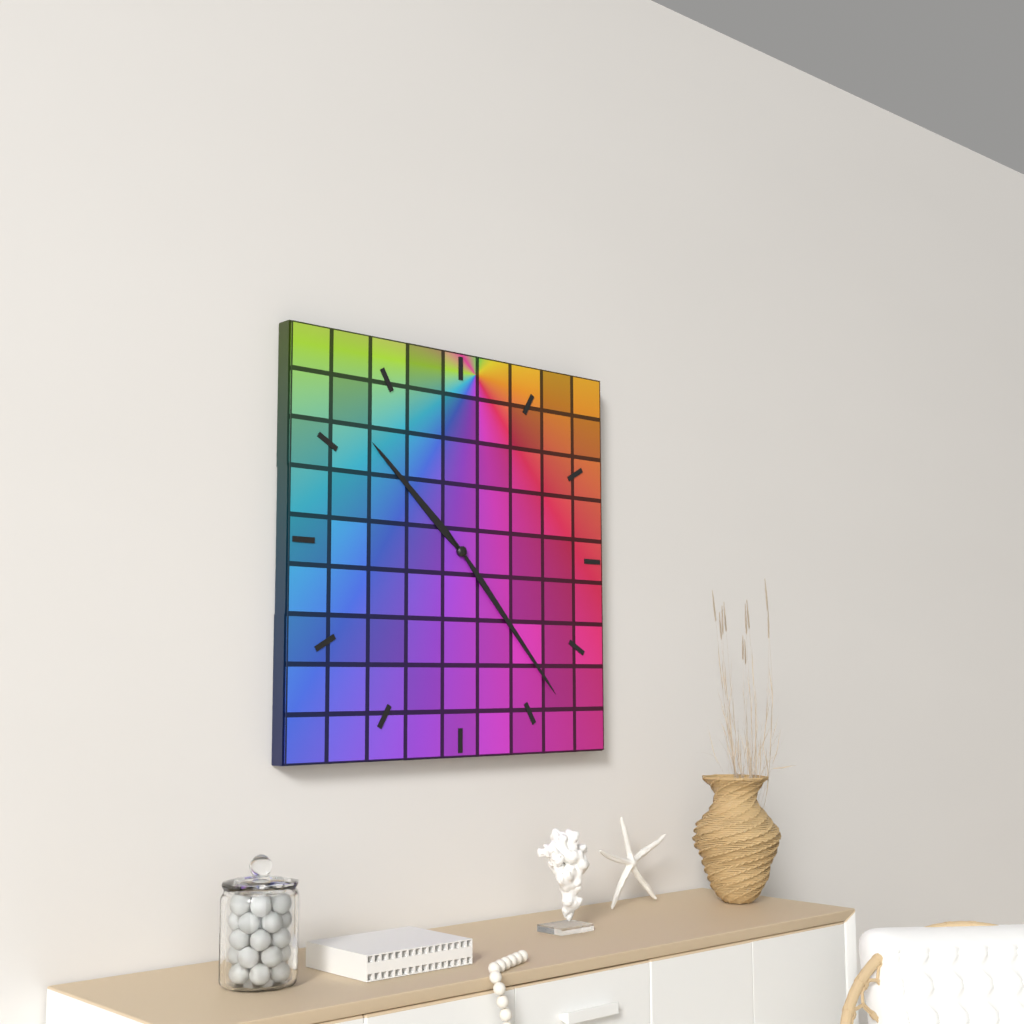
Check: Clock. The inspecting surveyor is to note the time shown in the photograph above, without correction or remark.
10:23
